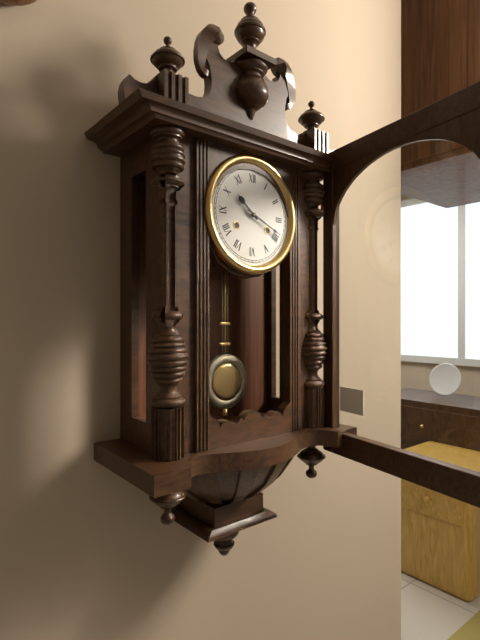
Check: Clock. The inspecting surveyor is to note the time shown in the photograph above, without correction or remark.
10:19
